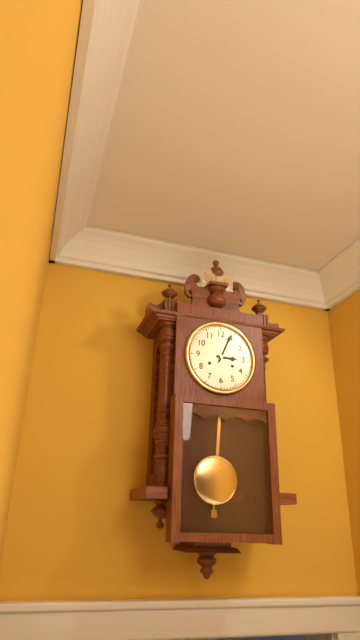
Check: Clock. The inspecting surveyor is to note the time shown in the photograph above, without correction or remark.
3:04
